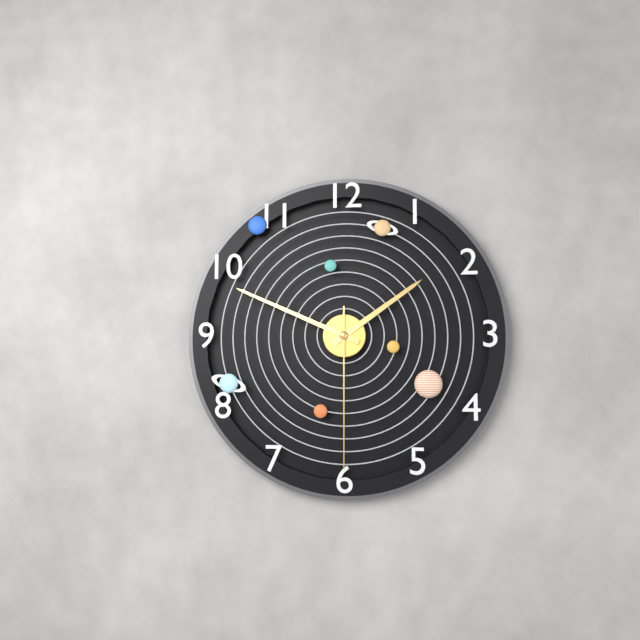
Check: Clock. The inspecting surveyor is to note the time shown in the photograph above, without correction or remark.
1:49:30
